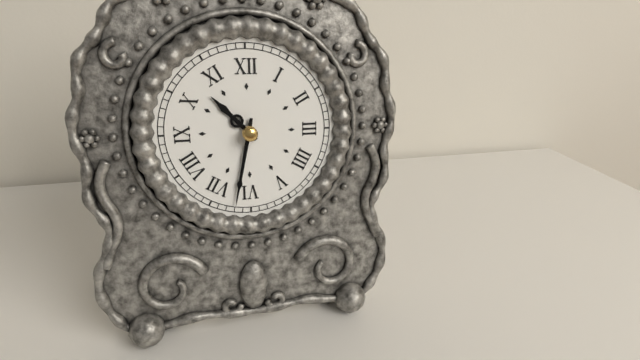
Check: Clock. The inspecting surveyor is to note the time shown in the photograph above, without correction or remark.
10:32
